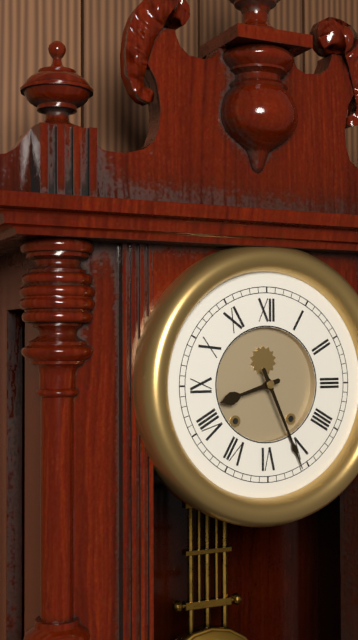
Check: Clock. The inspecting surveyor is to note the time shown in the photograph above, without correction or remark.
8:26
